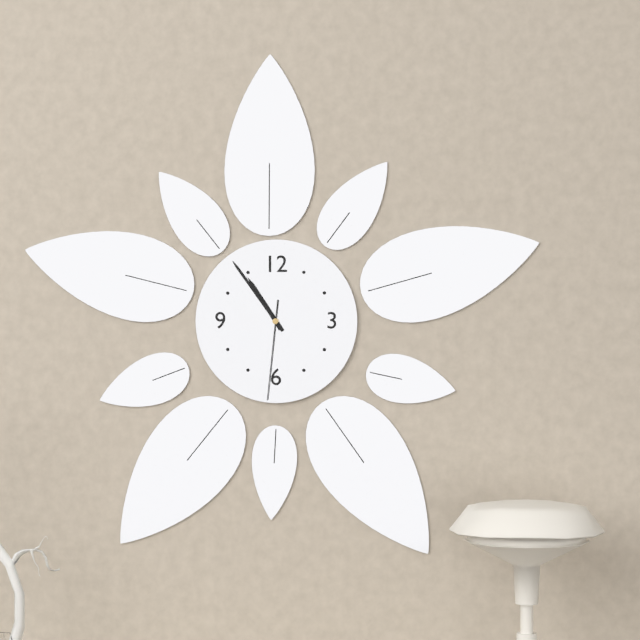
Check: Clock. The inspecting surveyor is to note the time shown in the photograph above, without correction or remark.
10:54:31
